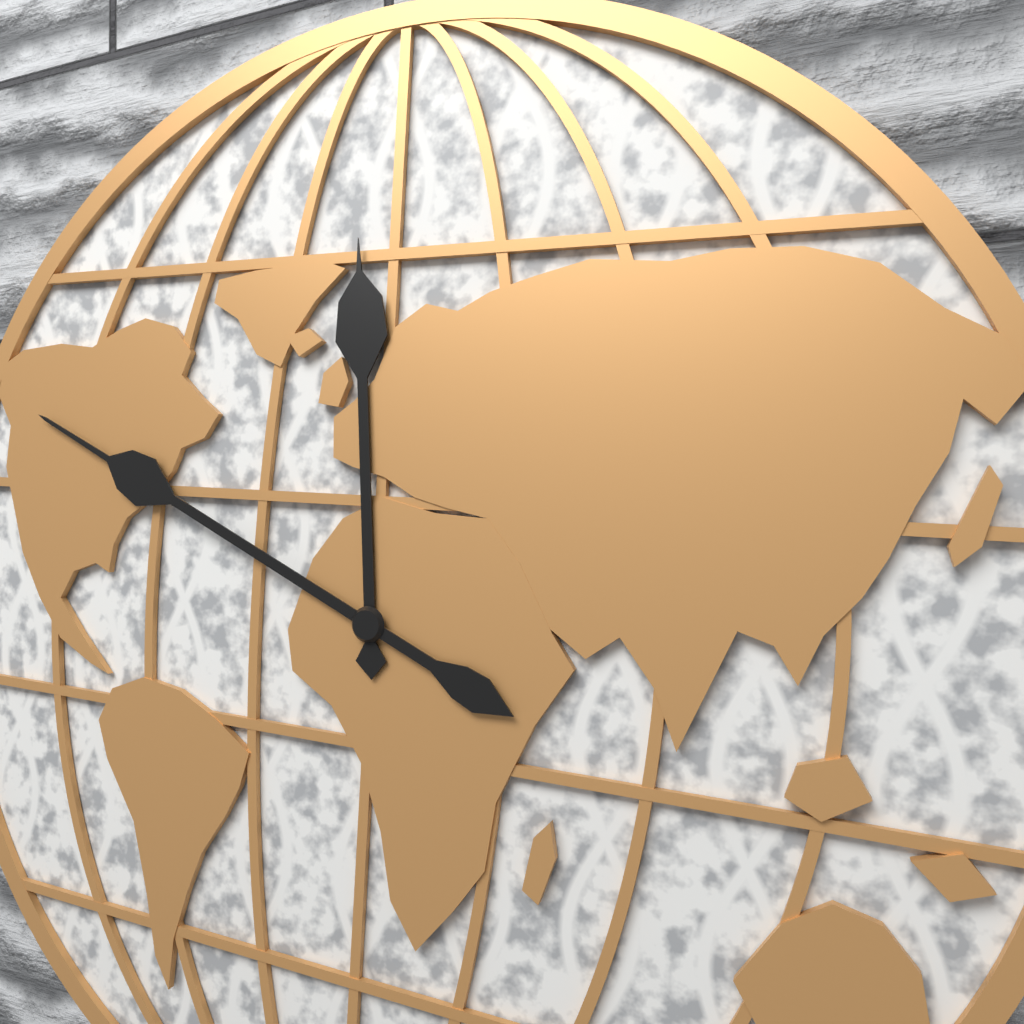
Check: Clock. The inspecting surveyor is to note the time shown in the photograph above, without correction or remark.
11:49
